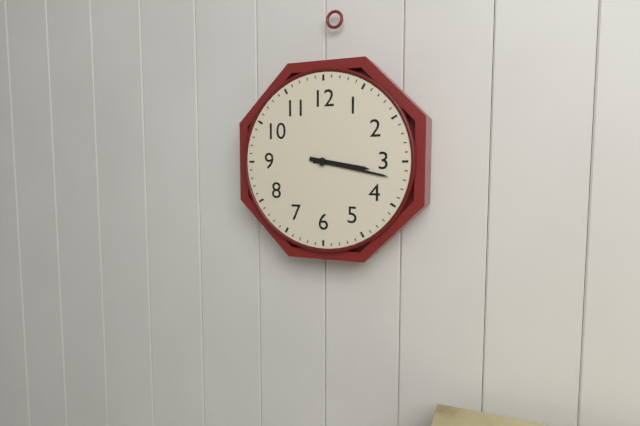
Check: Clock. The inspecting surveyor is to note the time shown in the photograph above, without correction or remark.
3:17
